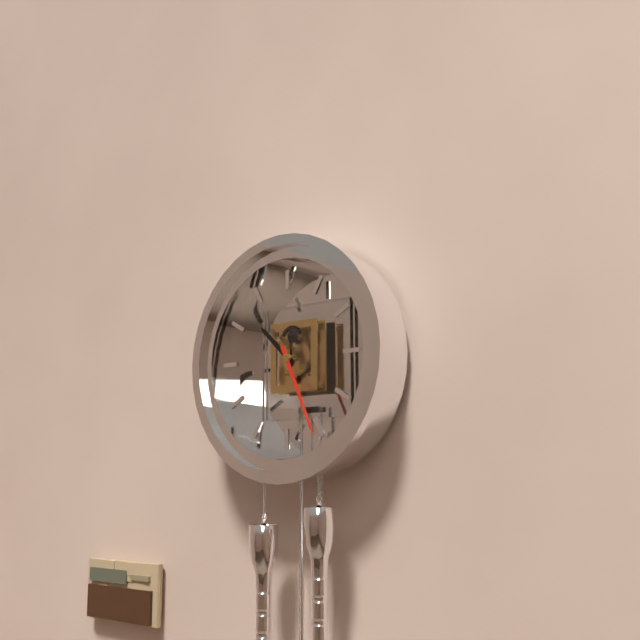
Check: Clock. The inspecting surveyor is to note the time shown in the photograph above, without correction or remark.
10:26
